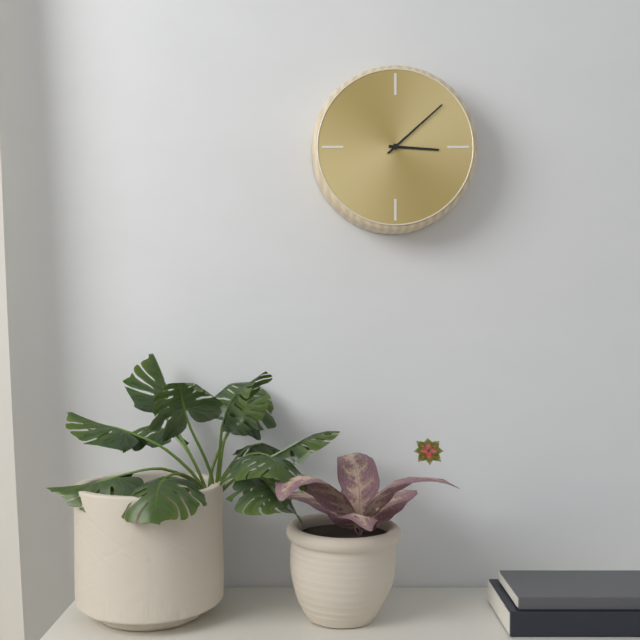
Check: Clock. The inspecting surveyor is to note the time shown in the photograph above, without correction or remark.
3:08
